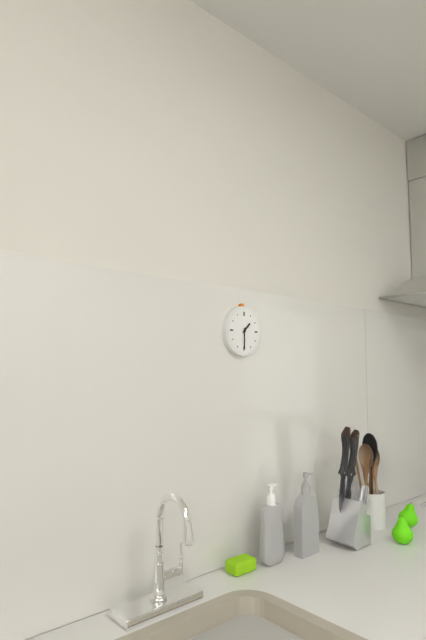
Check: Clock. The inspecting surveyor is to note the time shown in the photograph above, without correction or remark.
1:30
